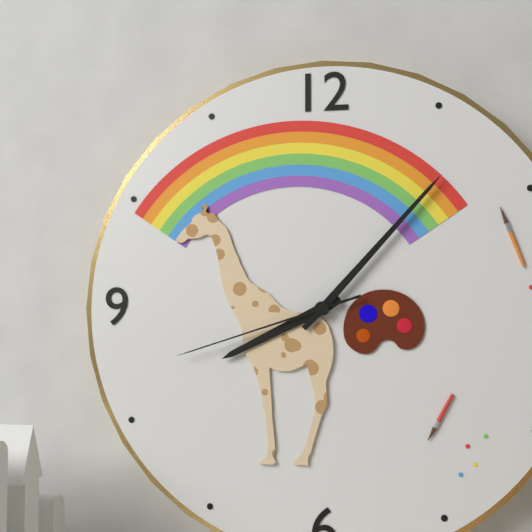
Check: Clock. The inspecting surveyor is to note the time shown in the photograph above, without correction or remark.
8:07:42
